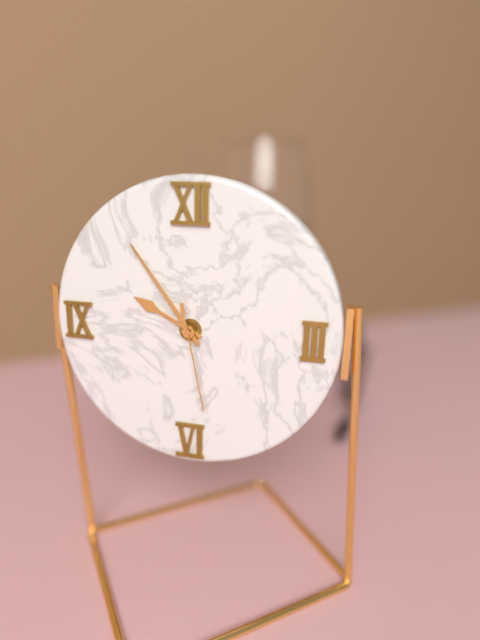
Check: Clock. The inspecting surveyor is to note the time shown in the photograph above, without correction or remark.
9:54:28
